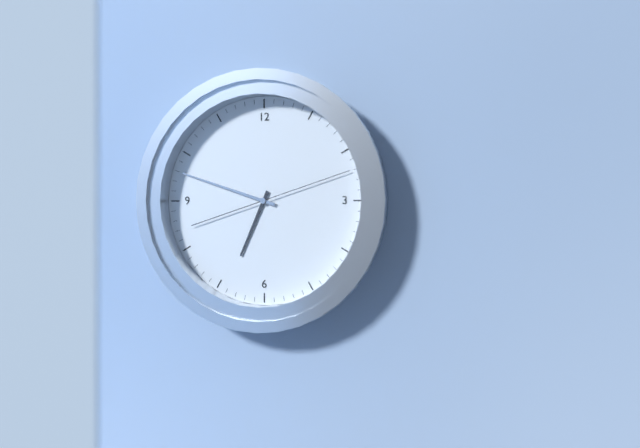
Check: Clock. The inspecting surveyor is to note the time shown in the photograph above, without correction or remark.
6:48:12
